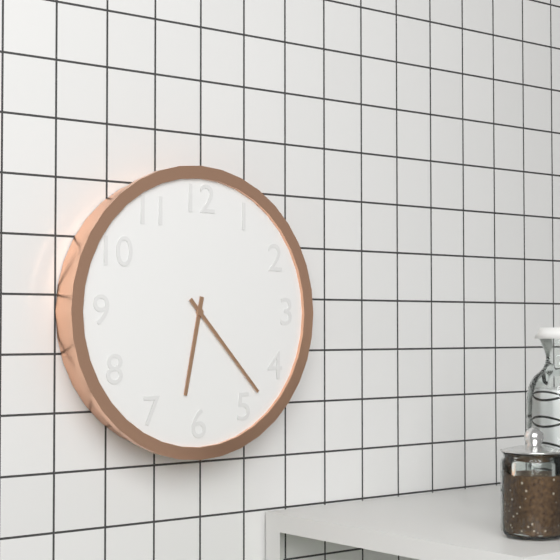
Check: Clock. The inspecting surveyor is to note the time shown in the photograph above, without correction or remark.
6:23
